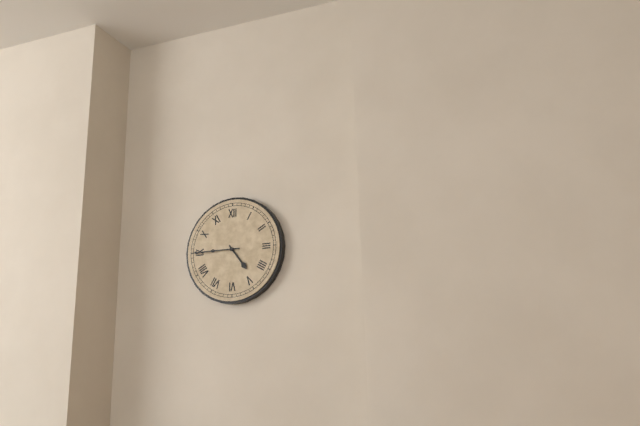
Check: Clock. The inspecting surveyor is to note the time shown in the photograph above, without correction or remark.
4:45
